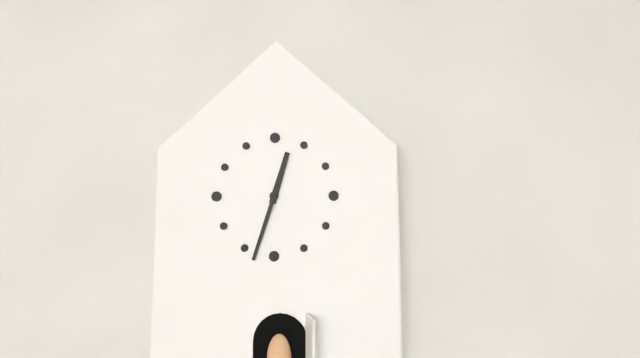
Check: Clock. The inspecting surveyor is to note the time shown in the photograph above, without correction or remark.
12:33
